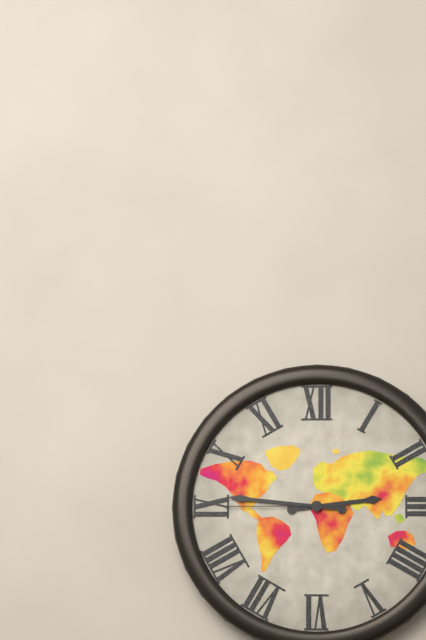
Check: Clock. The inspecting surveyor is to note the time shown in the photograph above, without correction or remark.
2:46:45
